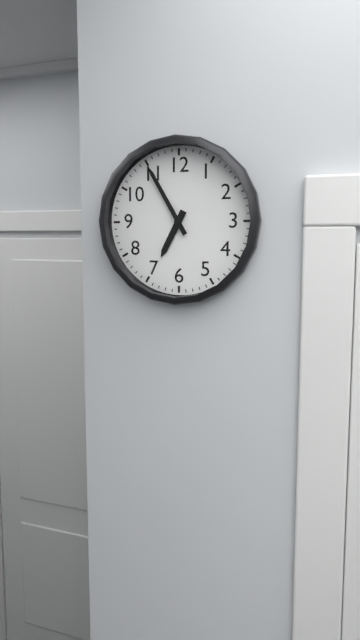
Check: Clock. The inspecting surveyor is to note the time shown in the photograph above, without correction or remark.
6:55
